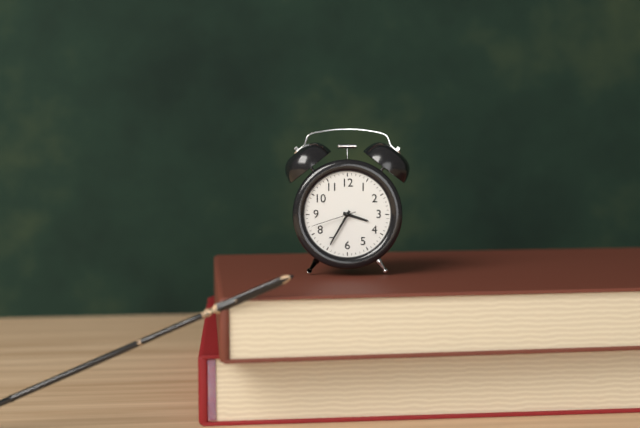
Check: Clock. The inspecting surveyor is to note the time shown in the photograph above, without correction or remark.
3:35
